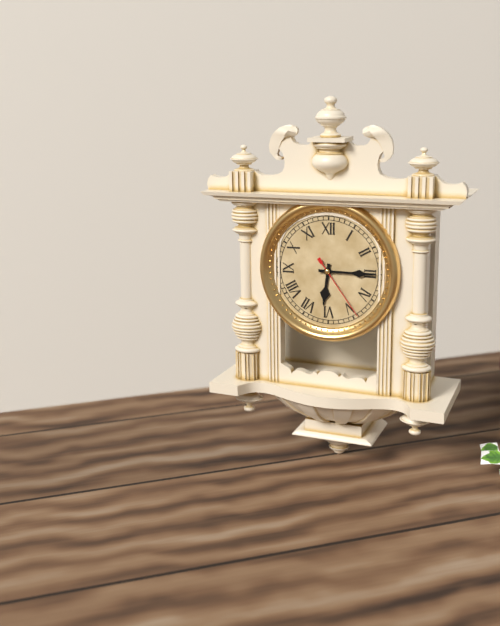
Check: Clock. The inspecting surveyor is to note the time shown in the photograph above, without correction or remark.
6:15:24
